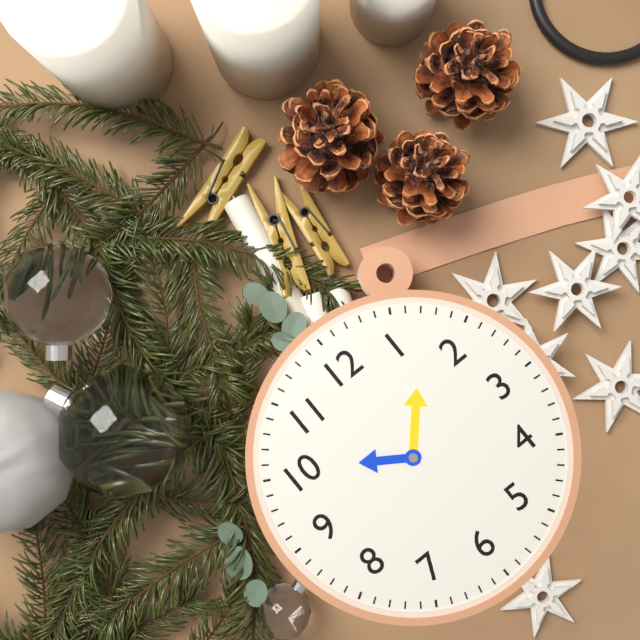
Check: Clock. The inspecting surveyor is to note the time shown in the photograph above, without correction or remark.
10:07
